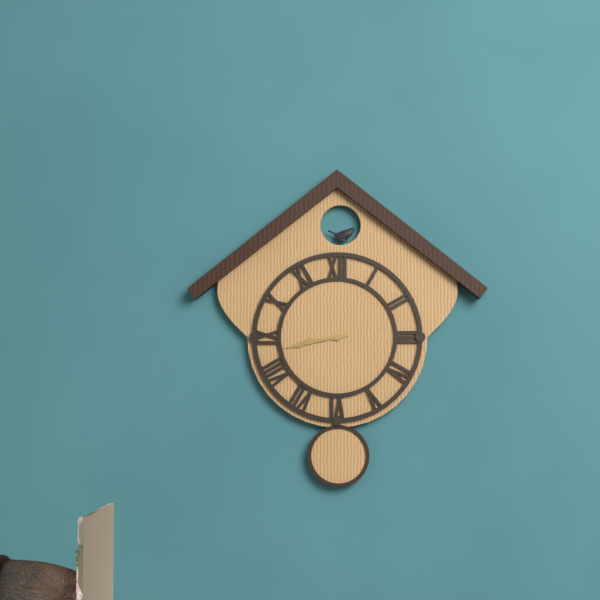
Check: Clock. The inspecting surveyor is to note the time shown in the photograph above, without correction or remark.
8:43
